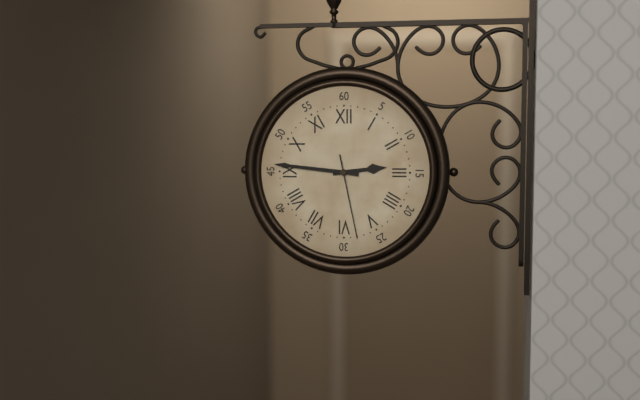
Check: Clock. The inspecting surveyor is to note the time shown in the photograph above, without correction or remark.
2:46:28
